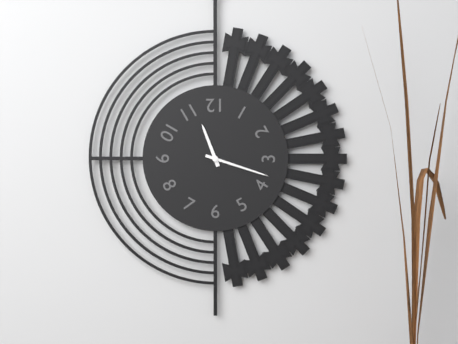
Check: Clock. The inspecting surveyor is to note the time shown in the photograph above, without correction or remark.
11:18
